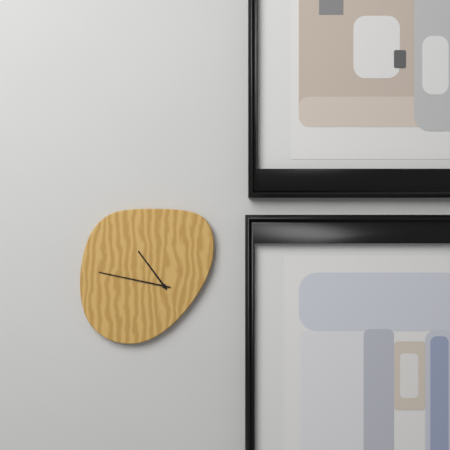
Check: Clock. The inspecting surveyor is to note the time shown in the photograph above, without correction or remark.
10:47
